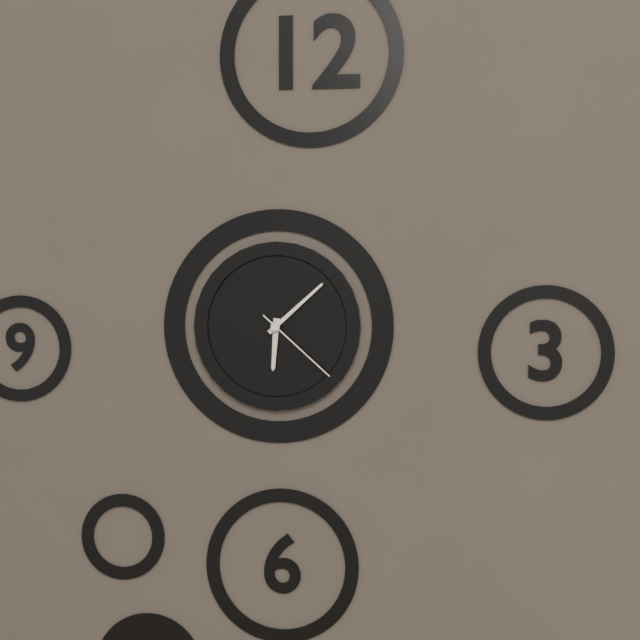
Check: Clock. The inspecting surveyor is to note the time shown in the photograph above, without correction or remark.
6:08:22
